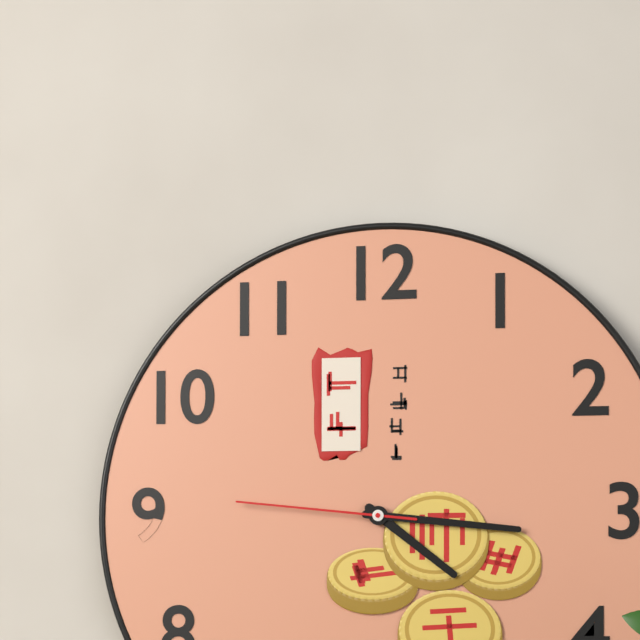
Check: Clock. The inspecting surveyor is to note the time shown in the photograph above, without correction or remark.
4:16:46
